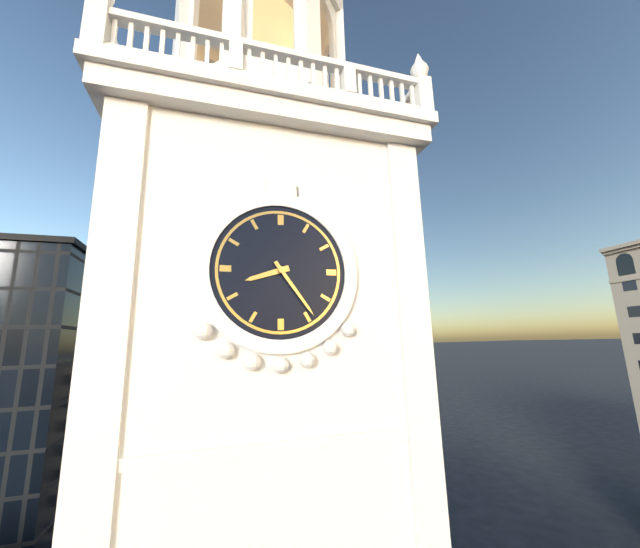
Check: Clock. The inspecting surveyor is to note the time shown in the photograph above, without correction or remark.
8:24
